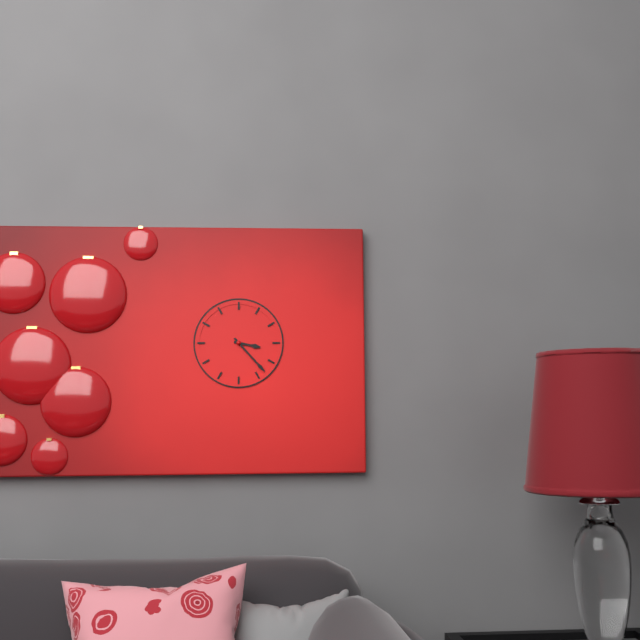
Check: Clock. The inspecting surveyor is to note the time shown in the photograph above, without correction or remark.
3:23
